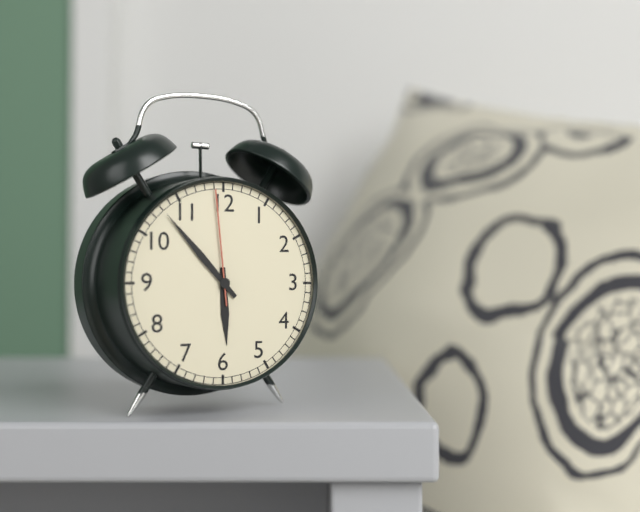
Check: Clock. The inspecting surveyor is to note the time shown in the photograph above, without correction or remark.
5:53:59
